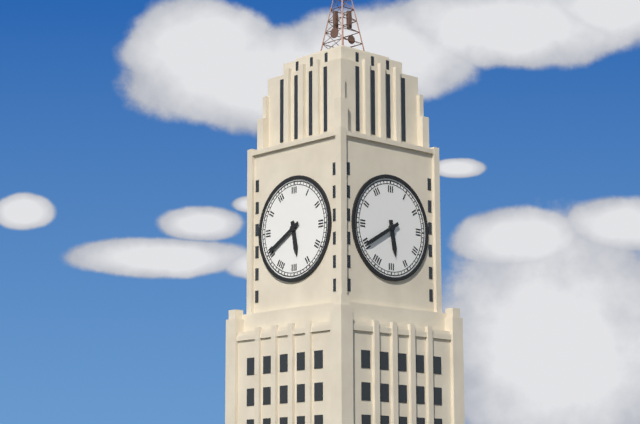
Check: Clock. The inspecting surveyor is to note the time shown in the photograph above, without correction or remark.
5:40
